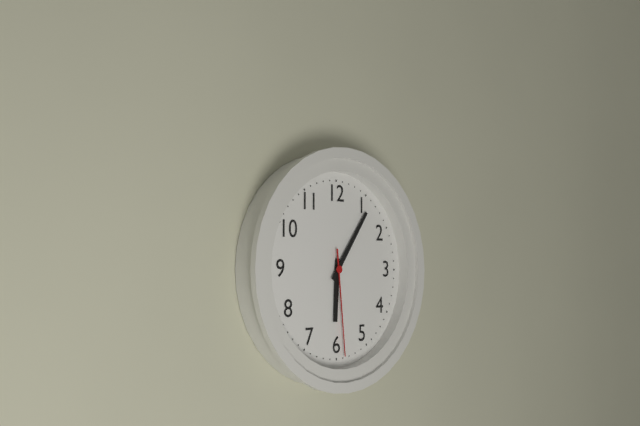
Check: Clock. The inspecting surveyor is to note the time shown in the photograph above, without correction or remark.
6:06:29
